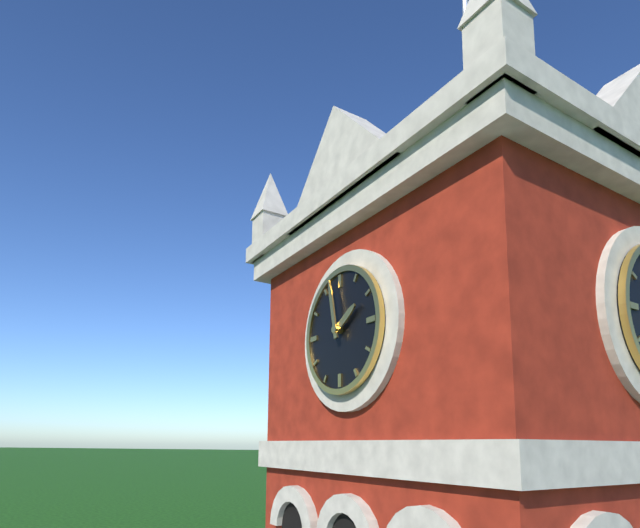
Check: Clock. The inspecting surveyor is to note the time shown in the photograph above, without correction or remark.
1:58
